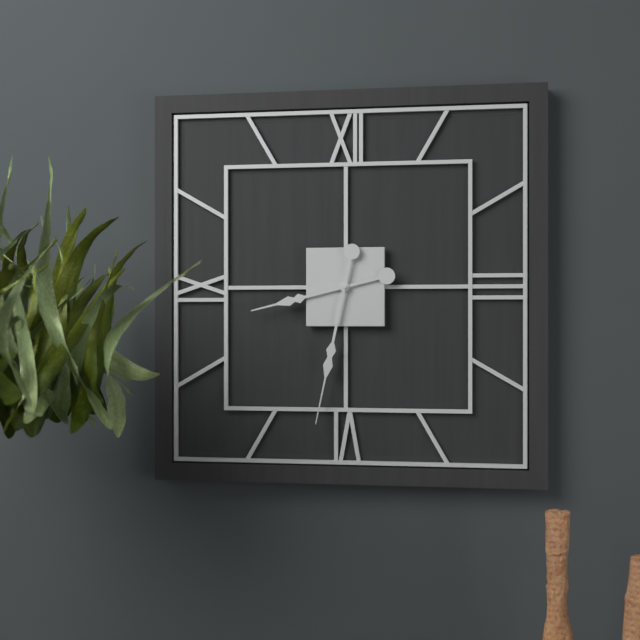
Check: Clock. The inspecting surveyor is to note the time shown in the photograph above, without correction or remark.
8:32
